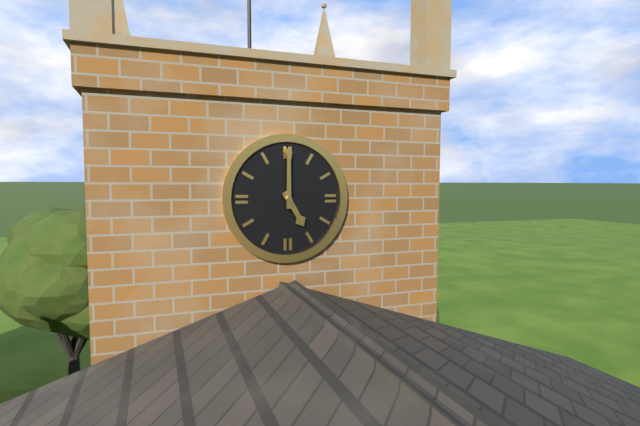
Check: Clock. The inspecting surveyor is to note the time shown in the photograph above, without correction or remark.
5:00
